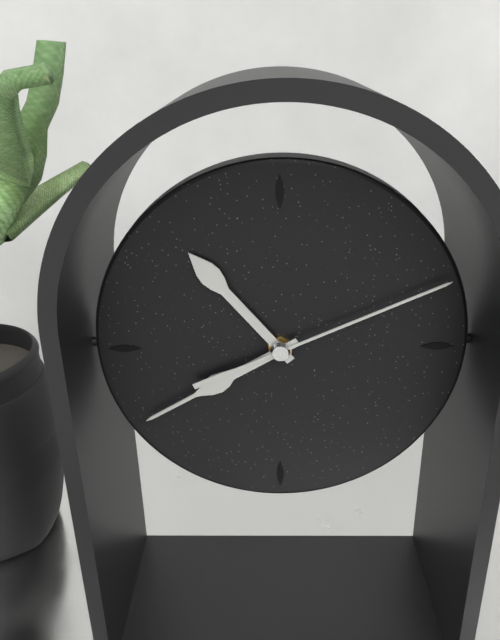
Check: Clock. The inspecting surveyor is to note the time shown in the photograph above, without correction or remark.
10:40:11
